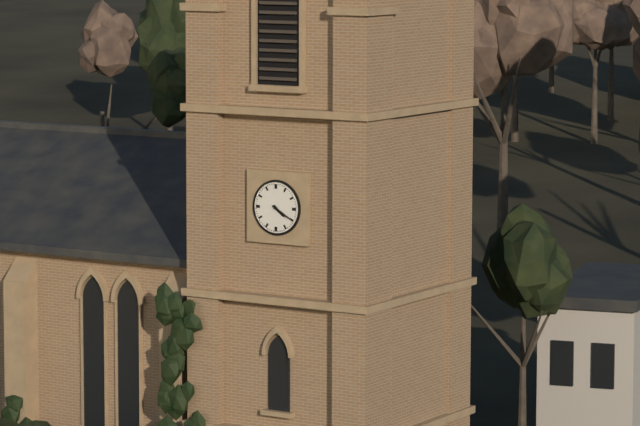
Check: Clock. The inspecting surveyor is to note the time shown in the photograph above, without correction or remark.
4:20
